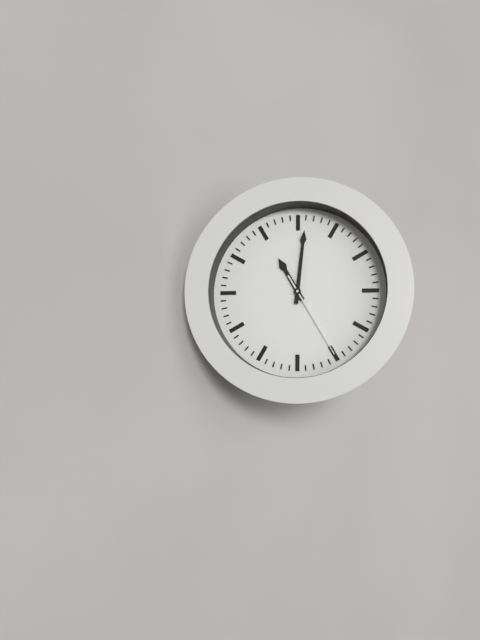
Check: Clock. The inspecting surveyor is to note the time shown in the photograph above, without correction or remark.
11:01:25
